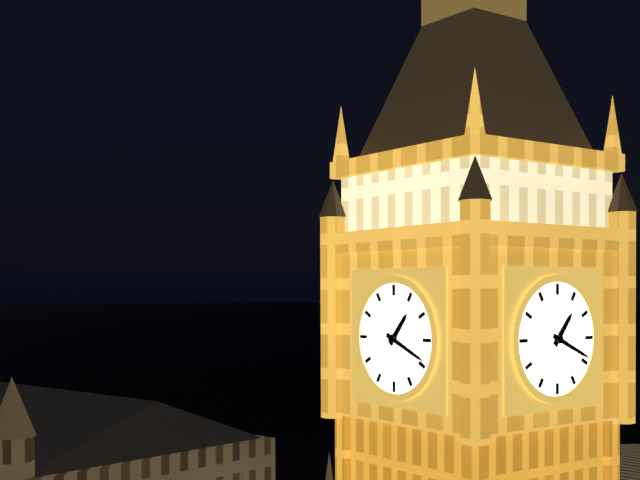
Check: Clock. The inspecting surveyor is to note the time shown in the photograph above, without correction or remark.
1:19
